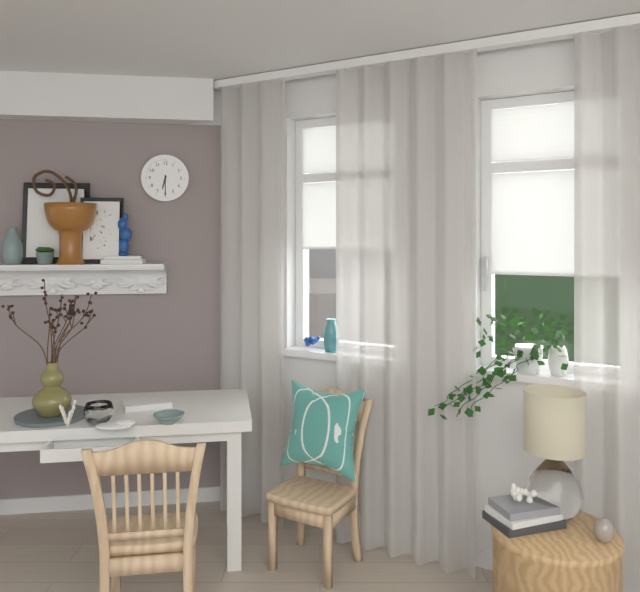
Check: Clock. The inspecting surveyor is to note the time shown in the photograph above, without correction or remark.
6:30
